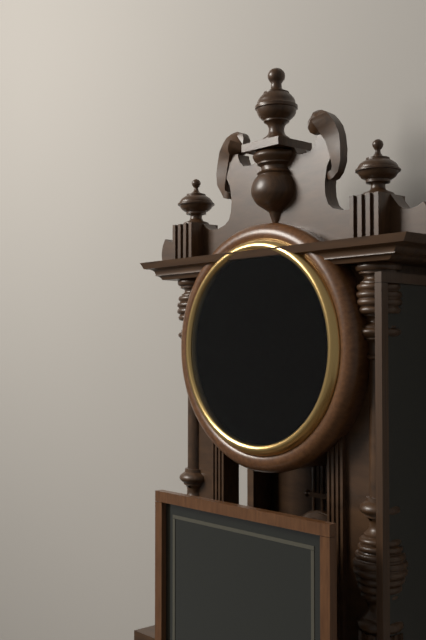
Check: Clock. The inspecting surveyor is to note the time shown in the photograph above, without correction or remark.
11:50
